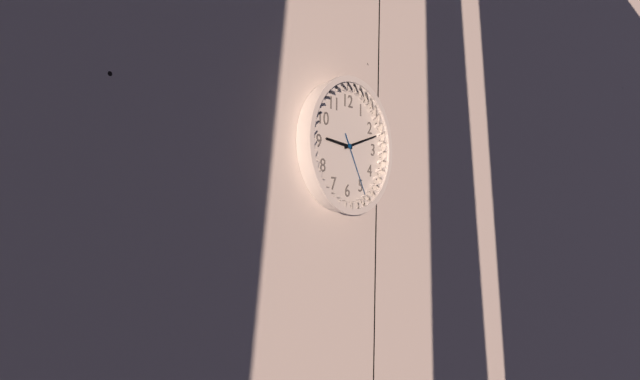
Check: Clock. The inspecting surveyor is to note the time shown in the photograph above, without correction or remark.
9:12:25
